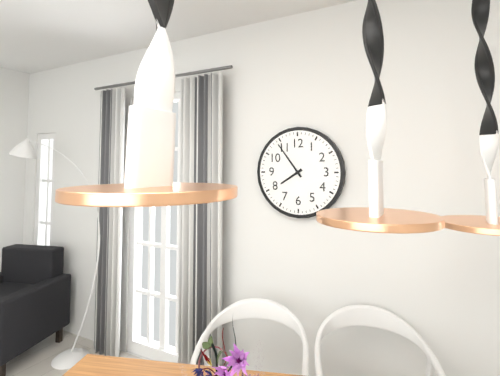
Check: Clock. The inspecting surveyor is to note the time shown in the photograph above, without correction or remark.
7:54
